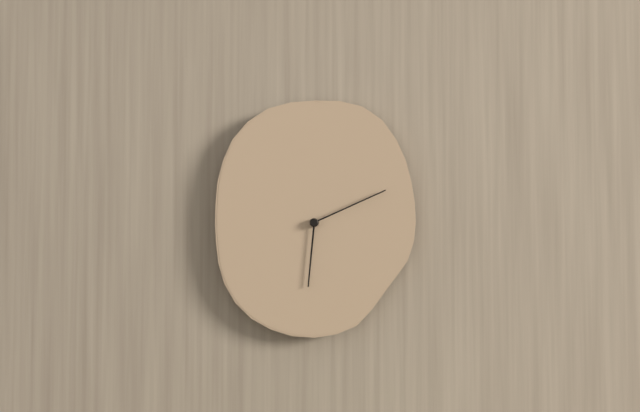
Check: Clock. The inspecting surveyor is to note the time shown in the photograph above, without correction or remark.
6:11
